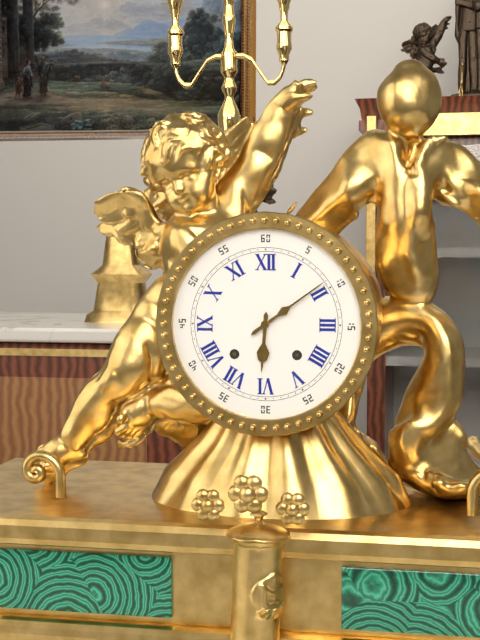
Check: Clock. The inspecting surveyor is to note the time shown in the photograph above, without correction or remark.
6:09
